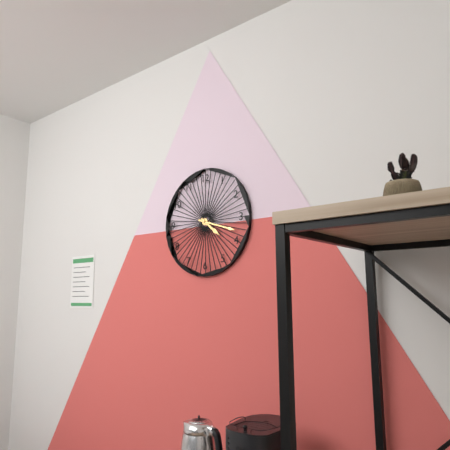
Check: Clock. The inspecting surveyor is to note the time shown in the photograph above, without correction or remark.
4:18
